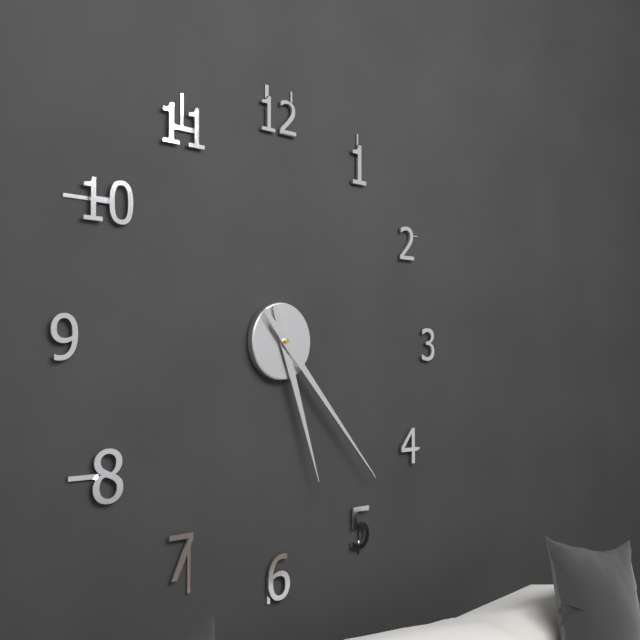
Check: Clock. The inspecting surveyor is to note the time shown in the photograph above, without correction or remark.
5:23
